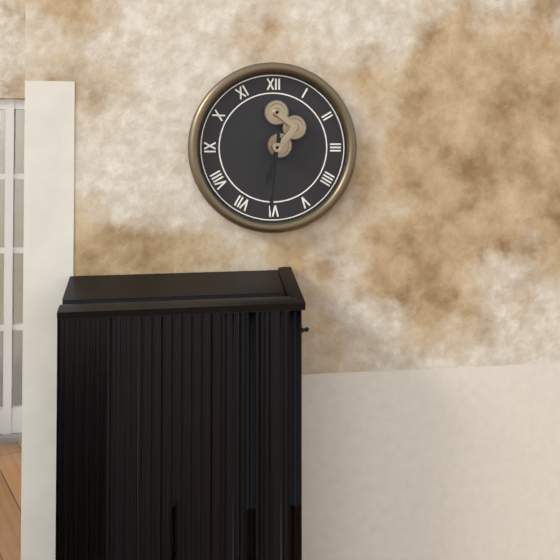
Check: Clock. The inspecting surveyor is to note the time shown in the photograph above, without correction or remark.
6:31
